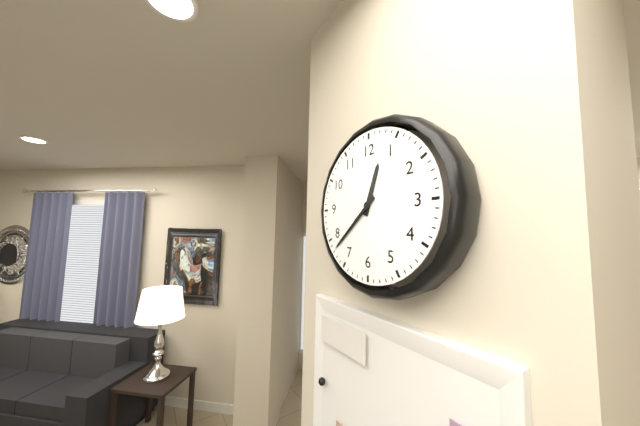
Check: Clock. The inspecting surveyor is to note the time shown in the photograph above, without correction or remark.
12:38
